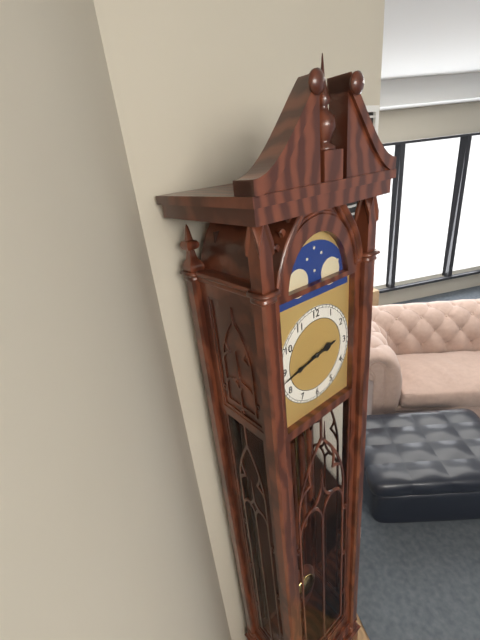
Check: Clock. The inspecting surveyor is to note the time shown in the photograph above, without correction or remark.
2:43
